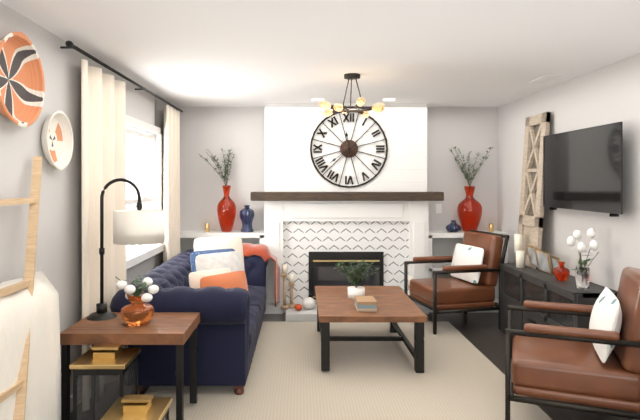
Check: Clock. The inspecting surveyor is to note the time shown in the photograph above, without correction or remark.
11:39
